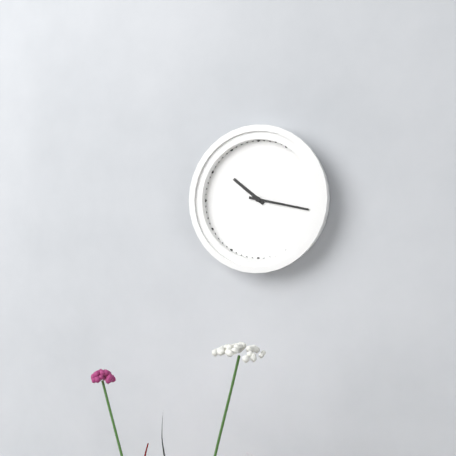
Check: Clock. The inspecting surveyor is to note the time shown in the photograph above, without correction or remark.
10:17
